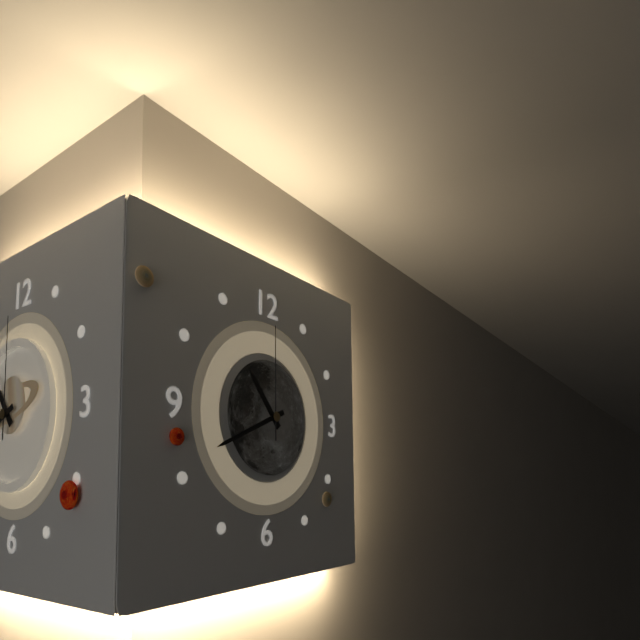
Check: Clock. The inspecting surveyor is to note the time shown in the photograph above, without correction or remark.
10:41:00
